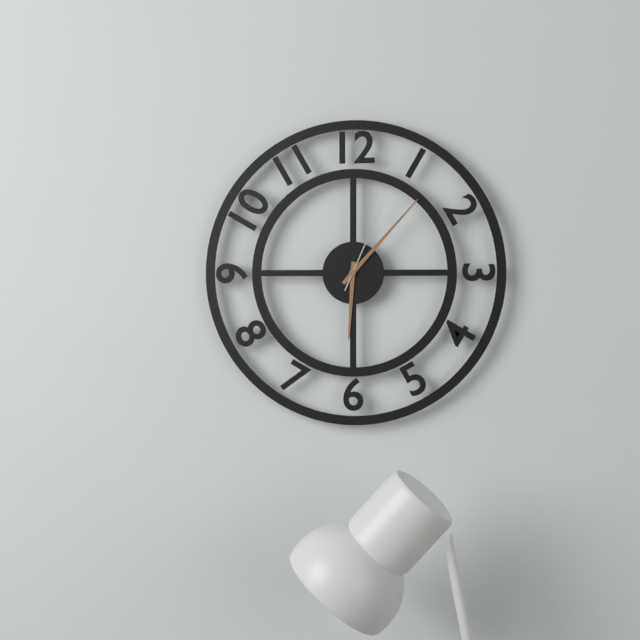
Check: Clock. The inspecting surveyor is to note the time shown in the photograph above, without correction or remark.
6:07:04
